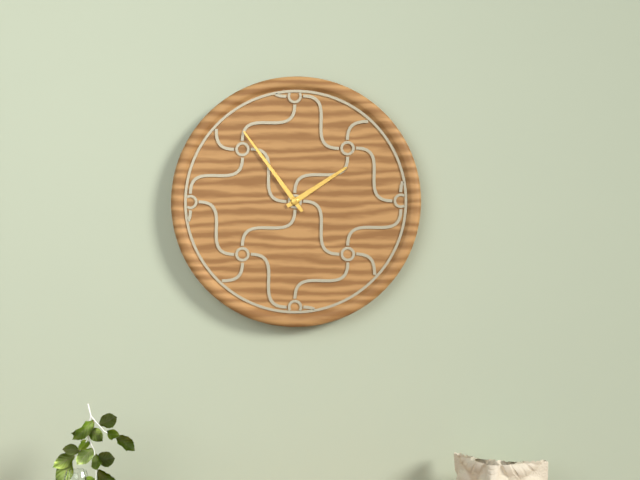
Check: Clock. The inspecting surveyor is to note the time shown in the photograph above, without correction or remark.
1:54
